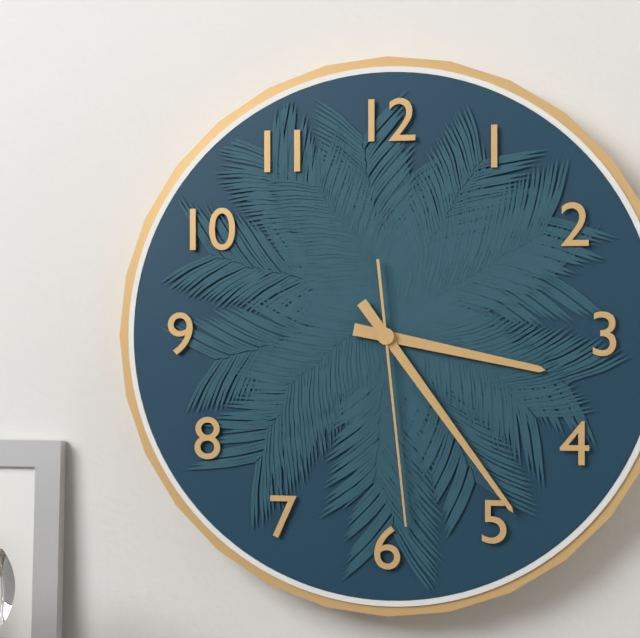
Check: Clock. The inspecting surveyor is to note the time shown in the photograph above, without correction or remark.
3:24:29
